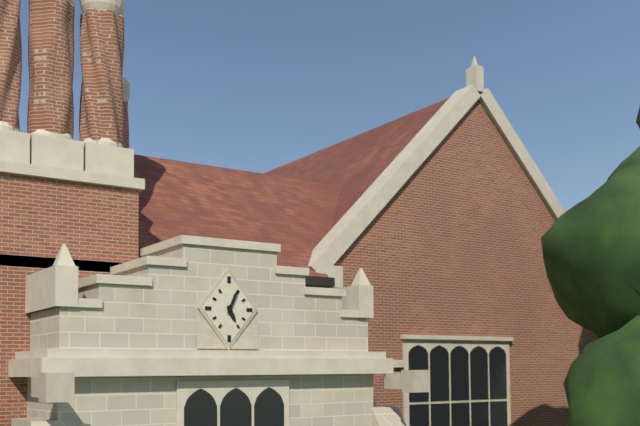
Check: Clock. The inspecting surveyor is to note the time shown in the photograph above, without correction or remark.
5:04
